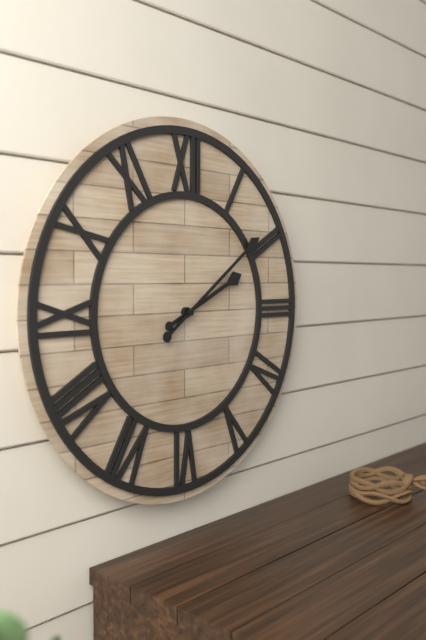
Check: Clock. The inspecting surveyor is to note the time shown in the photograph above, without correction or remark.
2:09
